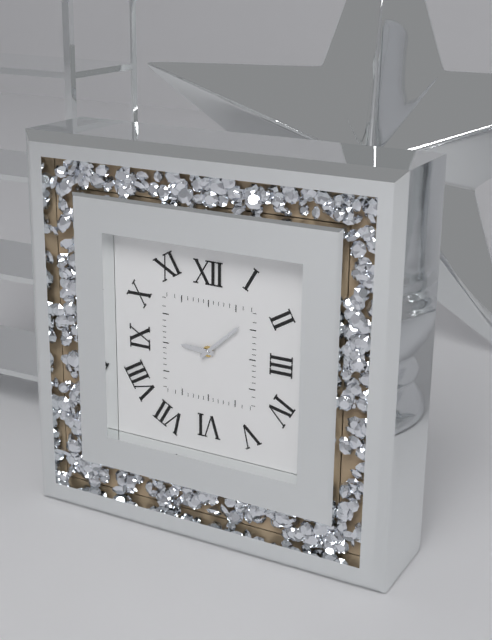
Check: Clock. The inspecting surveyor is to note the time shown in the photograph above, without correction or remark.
9:08
